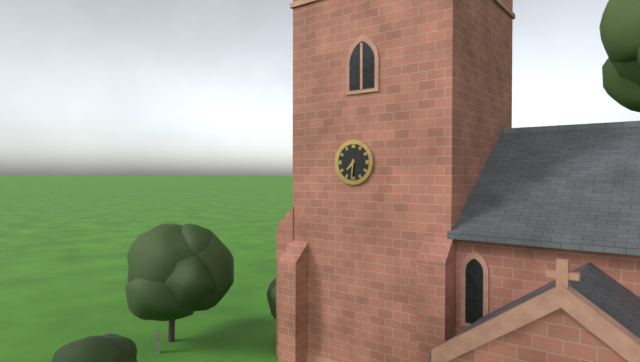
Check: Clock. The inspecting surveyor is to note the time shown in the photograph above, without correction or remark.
7:31
